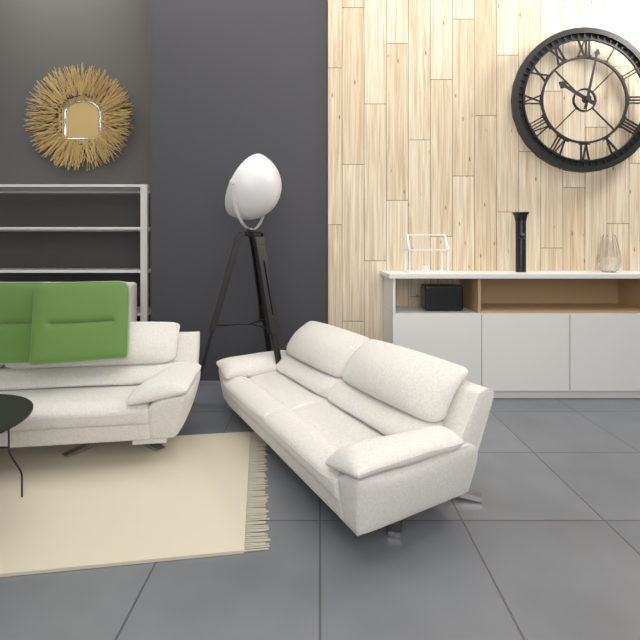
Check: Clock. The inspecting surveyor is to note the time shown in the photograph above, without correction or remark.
10:02
